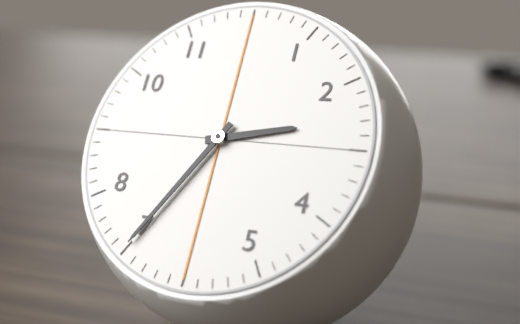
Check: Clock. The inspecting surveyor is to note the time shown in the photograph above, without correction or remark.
2:35
